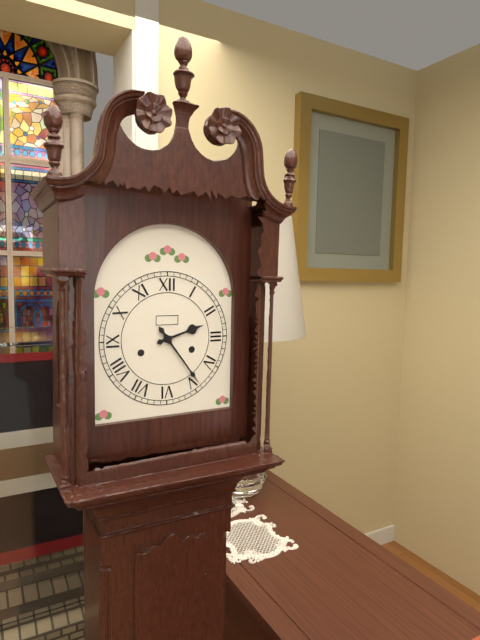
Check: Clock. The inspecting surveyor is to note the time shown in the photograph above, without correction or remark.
2:24
